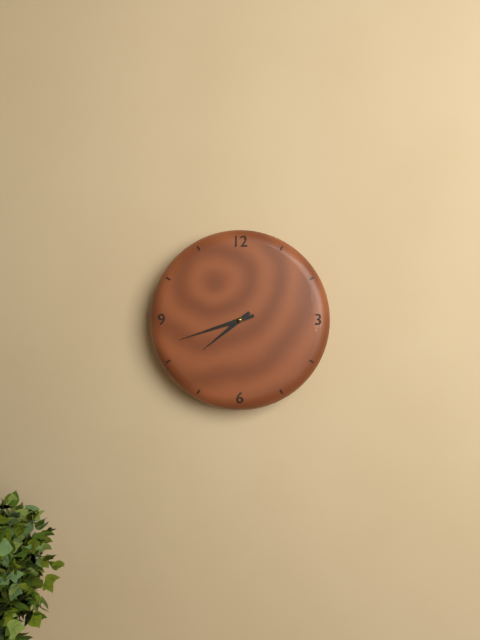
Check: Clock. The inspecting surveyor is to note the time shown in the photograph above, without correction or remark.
7:42
